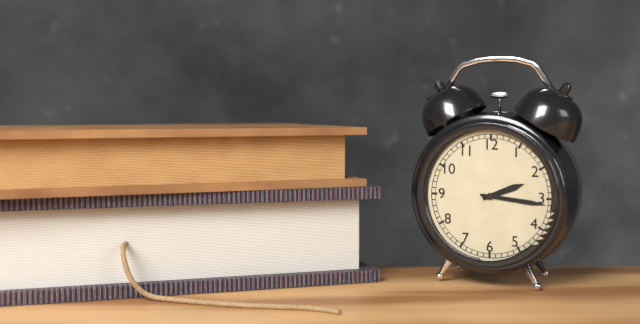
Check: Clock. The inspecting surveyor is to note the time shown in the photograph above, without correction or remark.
2:16
